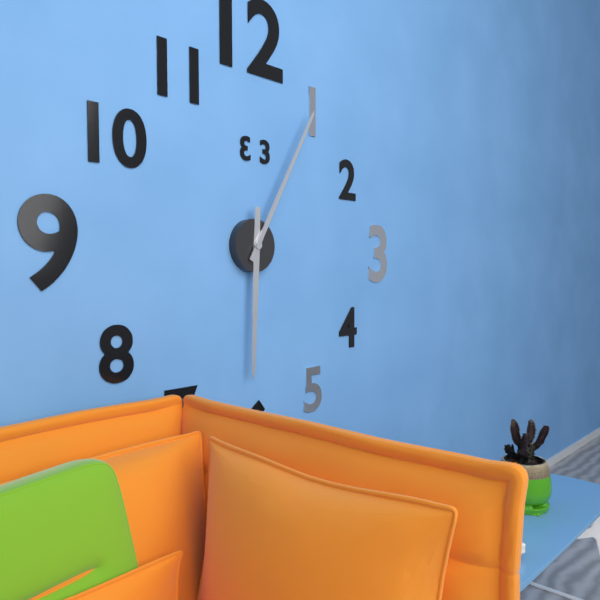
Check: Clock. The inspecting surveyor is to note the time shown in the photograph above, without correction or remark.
6:05
